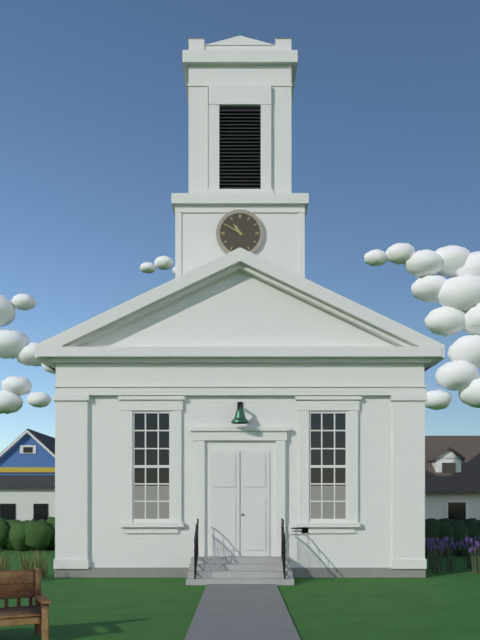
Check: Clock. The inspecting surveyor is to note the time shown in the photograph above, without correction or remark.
10:50
